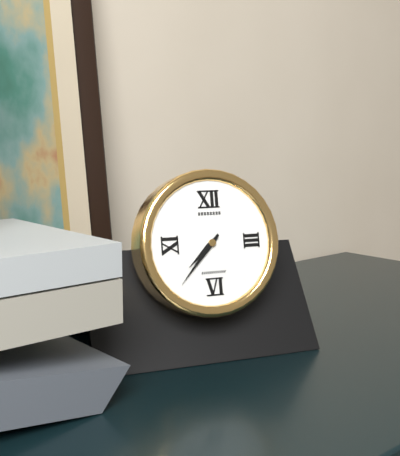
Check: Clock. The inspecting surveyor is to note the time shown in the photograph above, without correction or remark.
7:37
